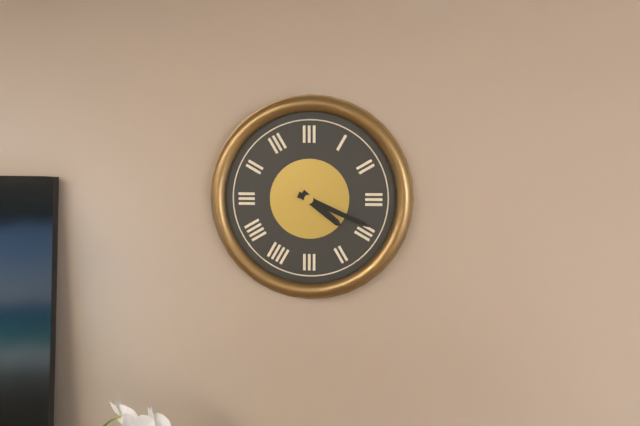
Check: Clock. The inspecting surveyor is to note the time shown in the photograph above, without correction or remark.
4:19
